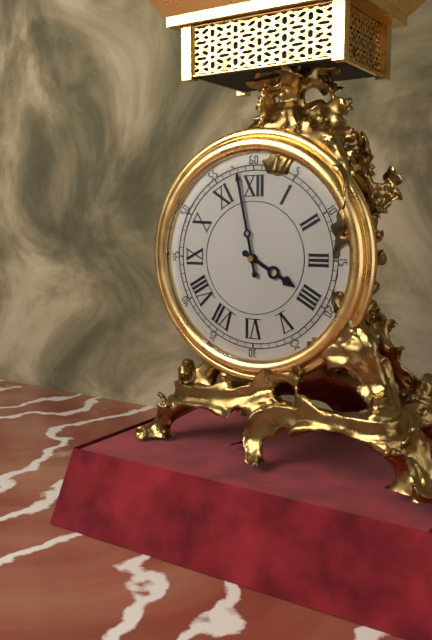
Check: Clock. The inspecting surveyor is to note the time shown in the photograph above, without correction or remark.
3:58
